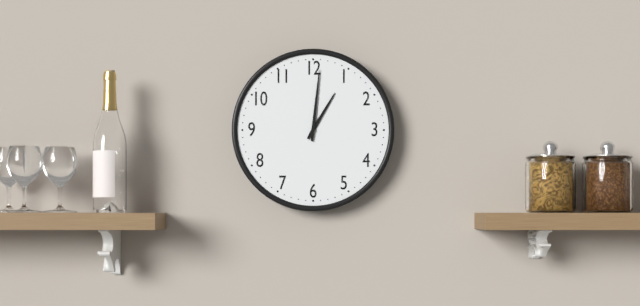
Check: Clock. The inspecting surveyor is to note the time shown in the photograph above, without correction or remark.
1:01
